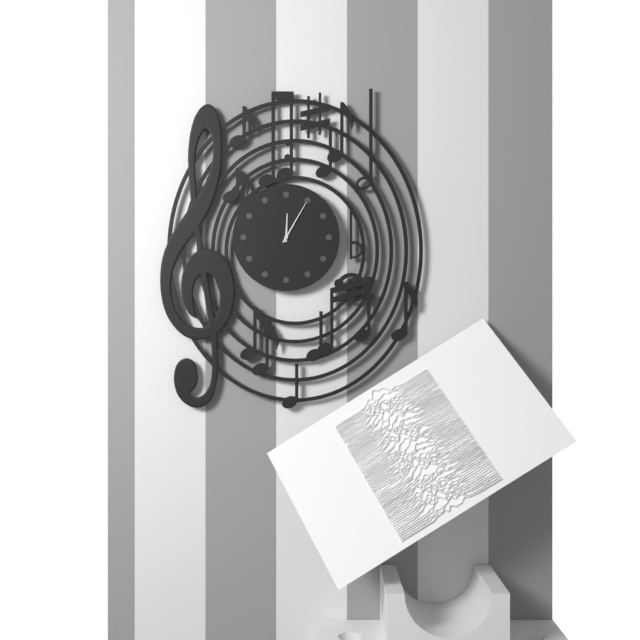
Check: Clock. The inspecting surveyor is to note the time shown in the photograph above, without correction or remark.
12:05
